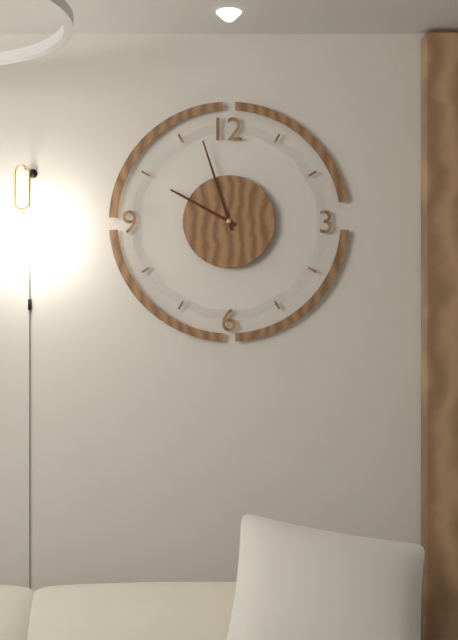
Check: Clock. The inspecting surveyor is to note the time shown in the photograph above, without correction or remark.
9:57
